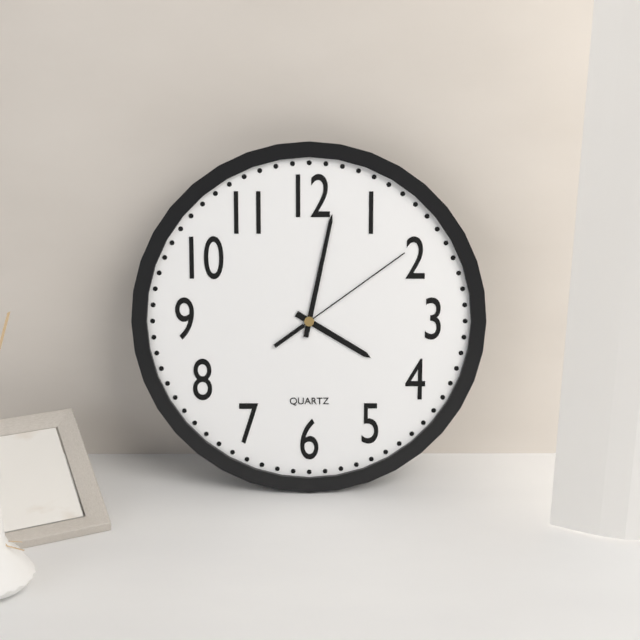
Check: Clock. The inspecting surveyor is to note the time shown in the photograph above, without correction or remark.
4:02:09
